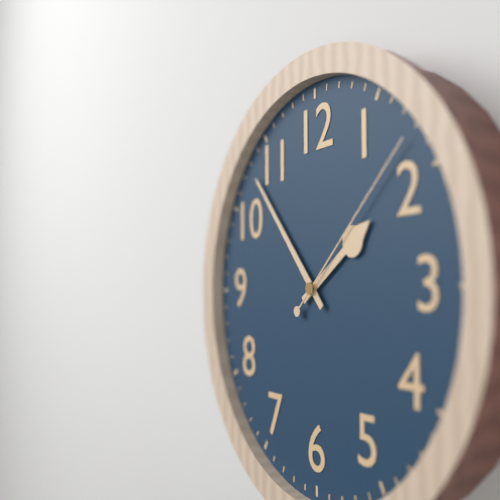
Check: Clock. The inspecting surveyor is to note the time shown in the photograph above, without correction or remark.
1:53:08
